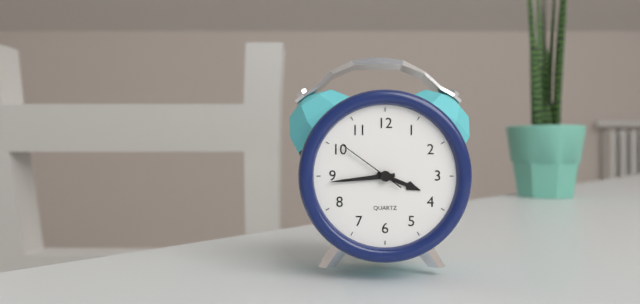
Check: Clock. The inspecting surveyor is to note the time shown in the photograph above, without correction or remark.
3:44:51
